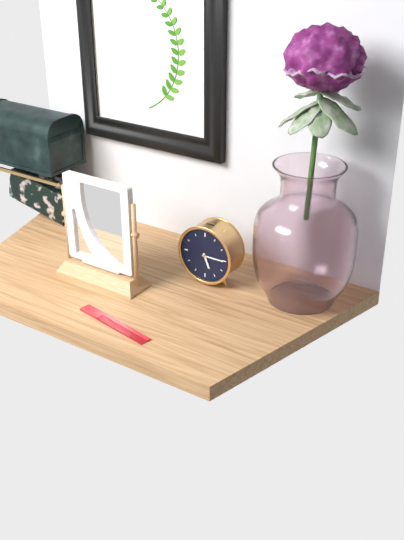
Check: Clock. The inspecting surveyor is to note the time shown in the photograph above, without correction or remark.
5:15
